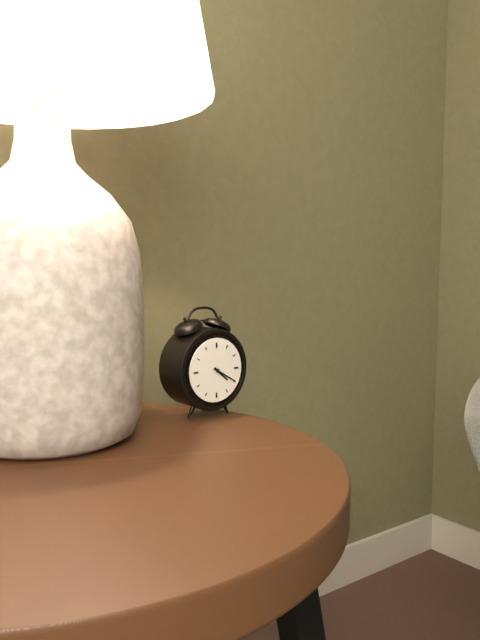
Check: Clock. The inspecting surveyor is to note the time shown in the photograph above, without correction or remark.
4:20
